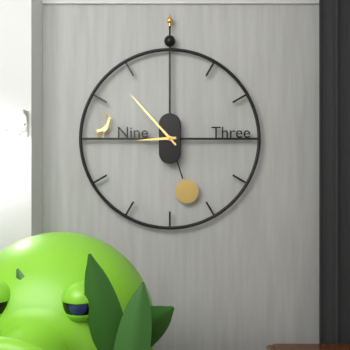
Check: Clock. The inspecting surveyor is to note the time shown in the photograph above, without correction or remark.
8:53
